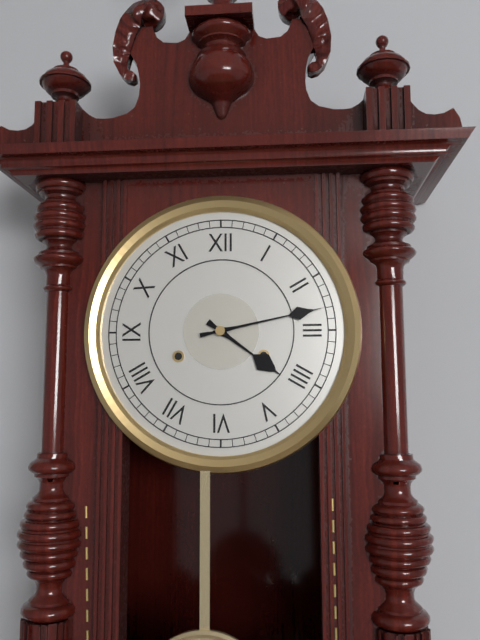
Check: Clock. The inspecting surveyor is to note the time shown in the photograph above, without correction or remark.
4:13
